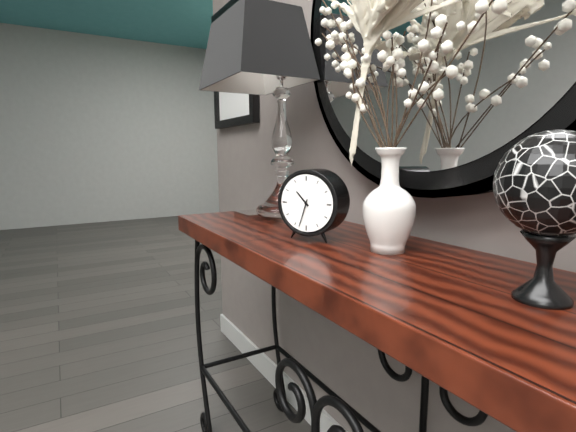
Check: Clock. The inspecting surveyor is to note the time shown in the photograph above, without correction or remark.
10:33
